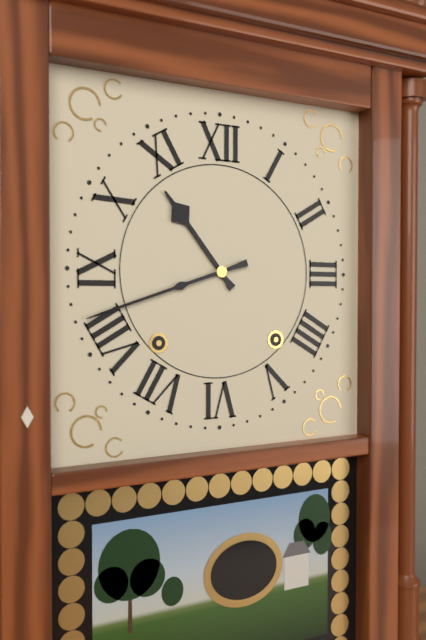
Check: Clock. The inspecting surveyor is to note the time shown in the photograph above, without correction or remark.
10:42
